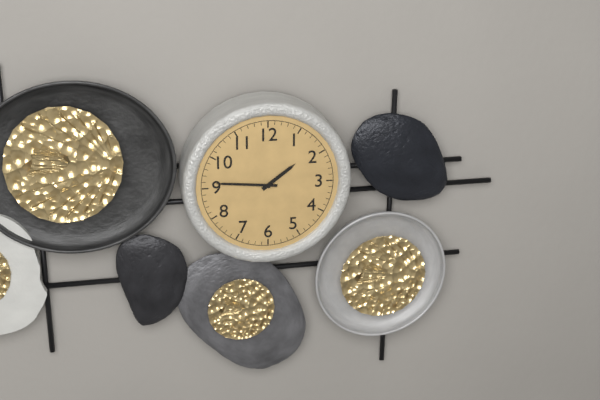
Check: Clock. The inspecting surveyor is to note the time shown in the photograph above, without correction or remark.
1:46
